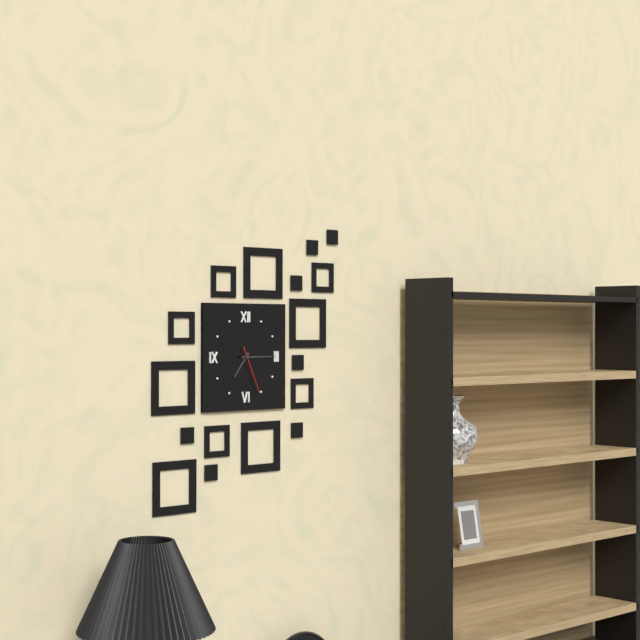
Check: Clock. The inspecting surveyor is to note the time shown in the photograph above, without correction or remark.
7:15
